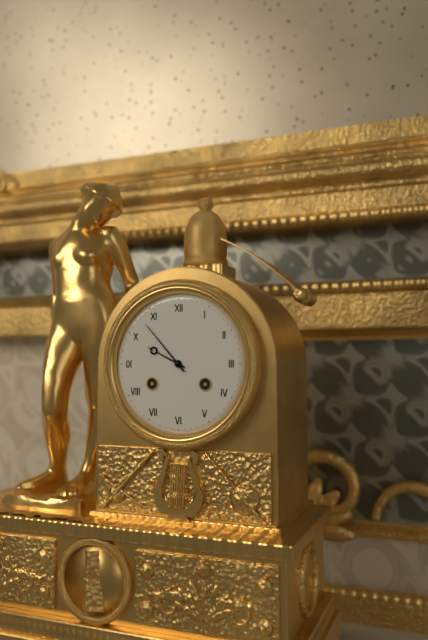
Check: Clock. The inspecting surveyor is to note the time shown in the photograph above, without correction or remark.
9:53
